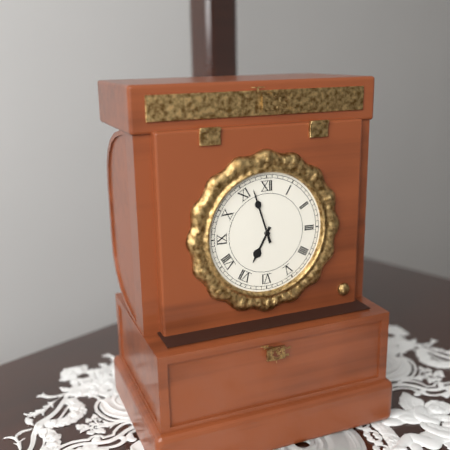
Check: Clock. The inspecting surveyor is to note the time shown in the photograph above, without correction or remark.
6:57
